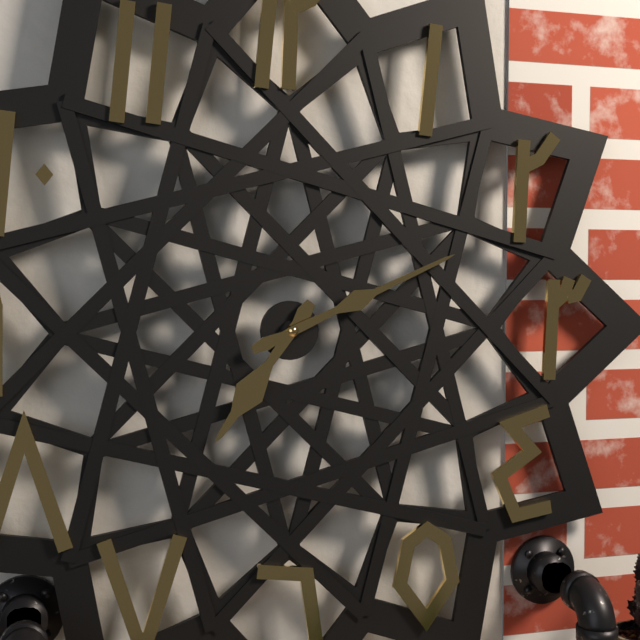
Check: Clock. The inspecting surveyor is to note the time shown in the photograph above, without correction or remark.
7:11
